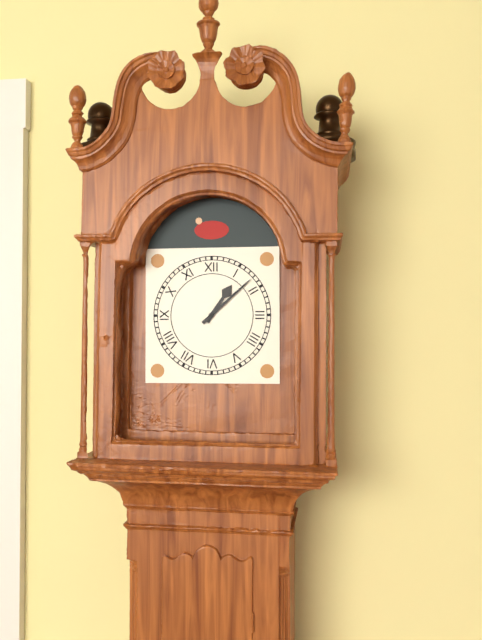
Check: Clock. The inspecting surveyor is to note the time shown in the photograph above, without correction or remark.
1:08
